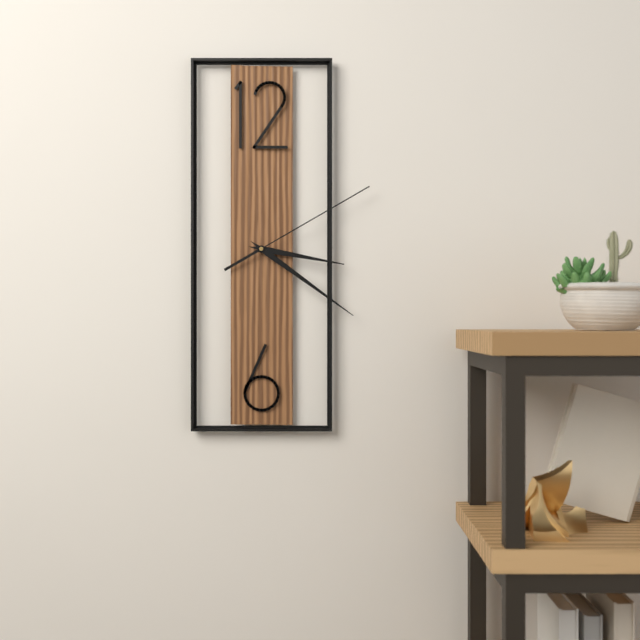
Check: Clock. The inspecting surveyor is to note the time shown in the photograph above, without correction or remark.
3:21:10
